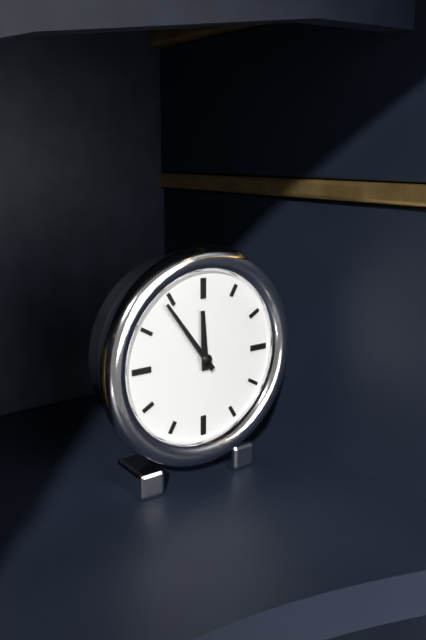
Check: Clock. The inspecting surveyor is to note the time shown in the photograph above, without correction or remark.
11:54
